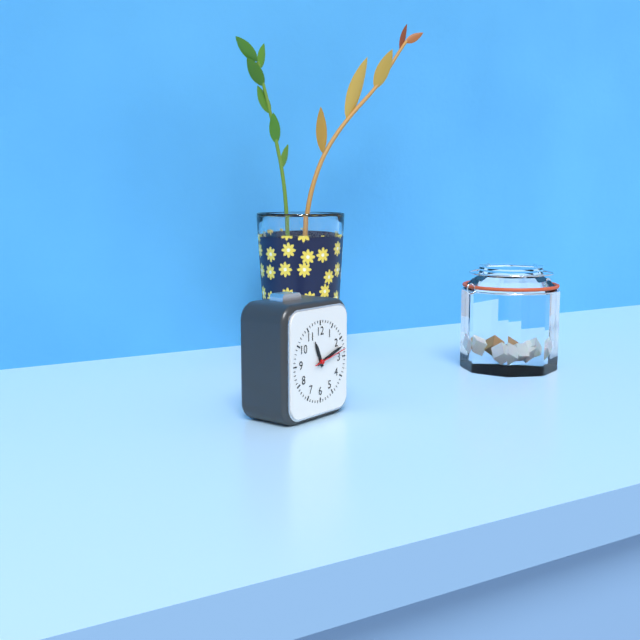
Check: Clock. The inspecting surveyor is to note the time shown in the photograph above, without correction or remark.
11:12
